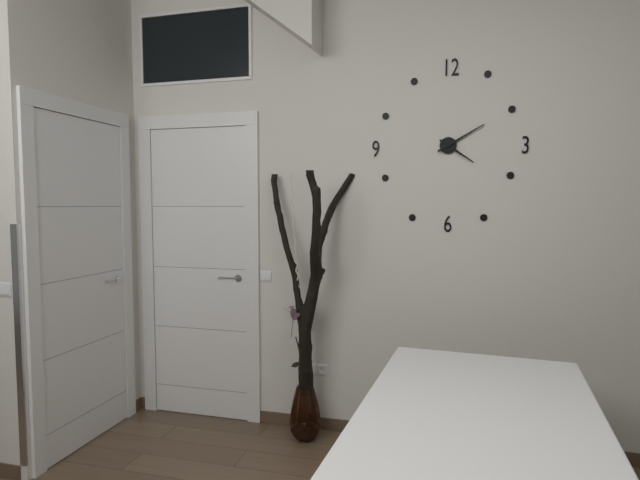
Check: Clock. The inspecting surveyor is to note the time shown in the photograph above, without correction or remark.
4:10
